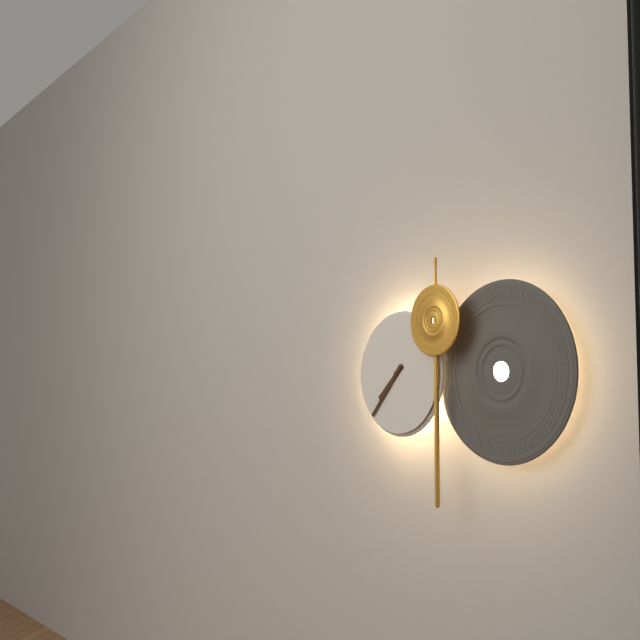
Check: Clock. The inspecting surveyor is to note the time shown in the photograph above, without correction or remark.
7:37
